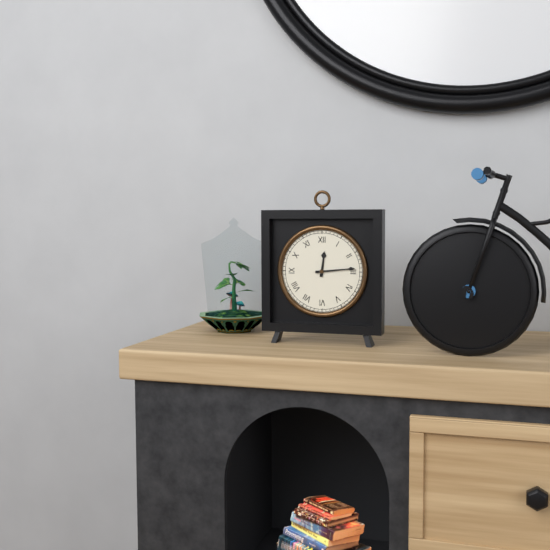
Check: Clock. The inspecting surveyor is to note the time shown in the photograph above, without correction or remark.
12:14
